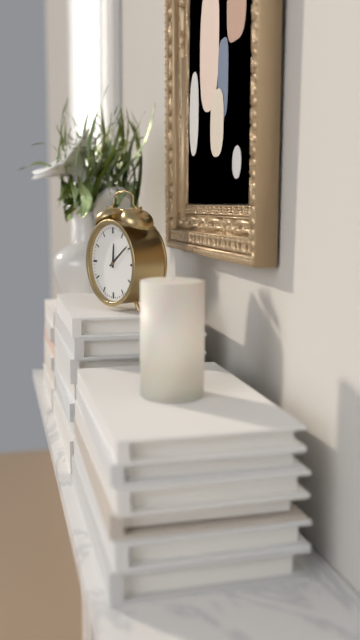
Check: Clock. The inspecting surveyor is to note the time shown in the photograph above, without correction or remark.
12:09
